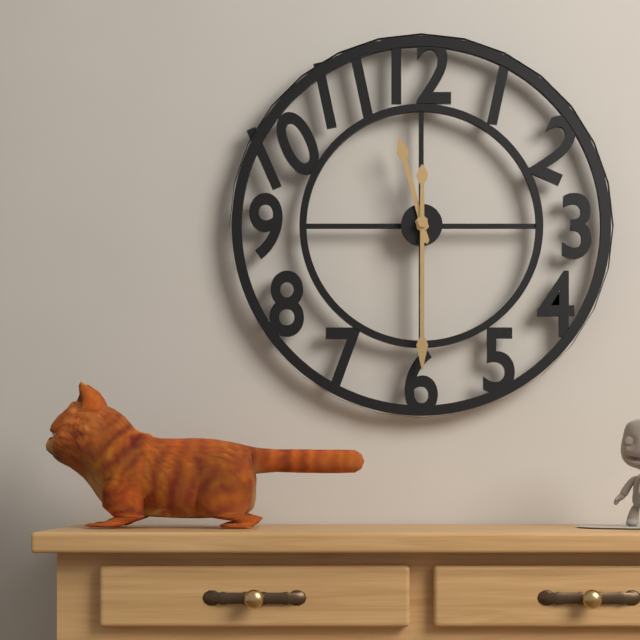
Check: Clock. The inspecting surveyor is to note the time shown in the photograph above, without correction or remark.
11:30
